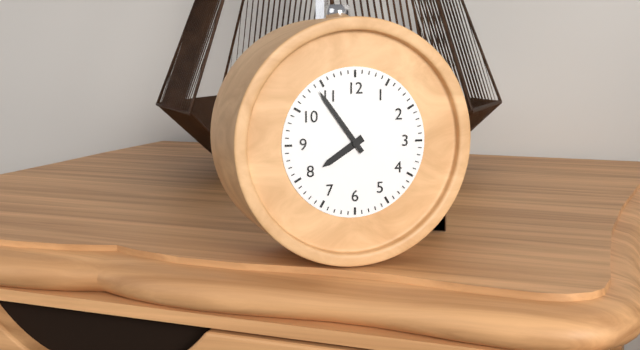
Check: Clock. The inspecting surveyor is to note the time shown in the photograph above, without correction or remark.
7:54
